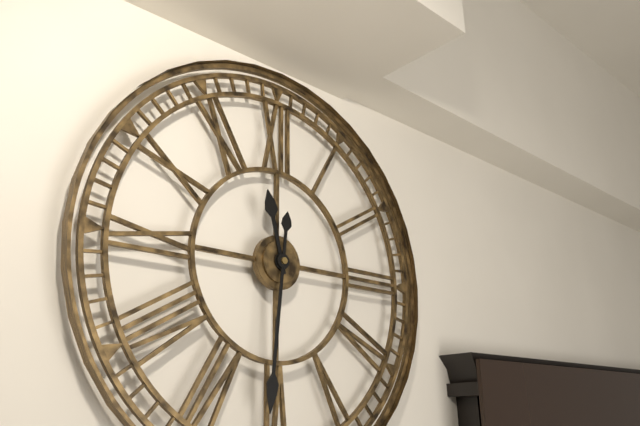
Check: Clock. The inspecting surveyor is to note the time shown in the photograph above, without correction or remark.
11:31
